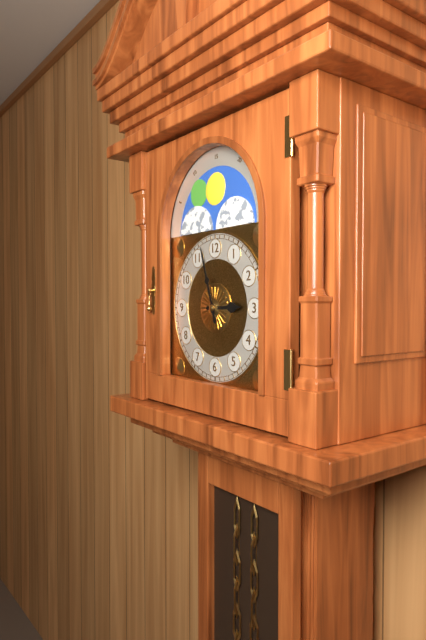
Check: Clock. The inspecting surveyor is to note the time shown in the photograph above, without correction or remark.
2:57
